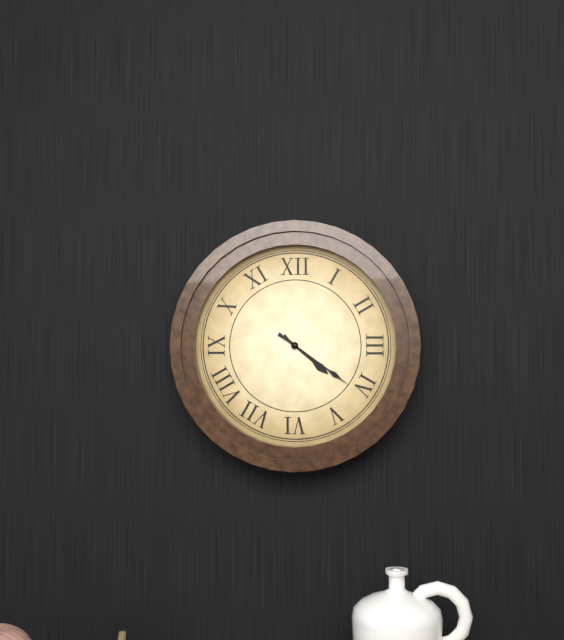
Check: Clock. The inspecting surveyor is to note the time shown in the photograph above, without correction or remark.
4:21
